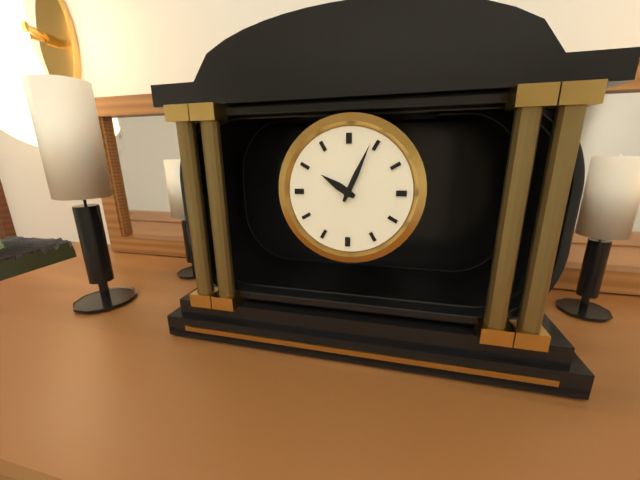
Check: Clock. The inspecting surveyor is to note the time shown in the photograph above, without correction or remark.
10:04
